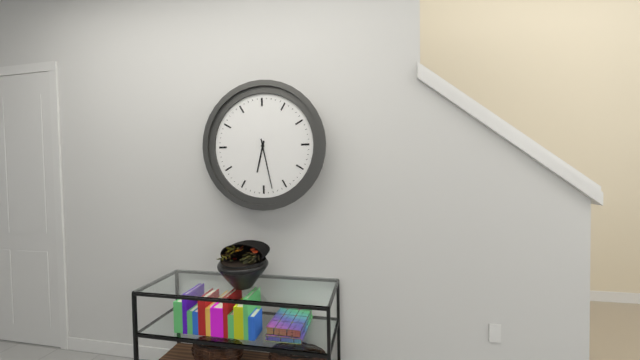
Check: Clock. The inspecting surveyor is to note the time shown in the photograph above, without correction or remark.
6:28
